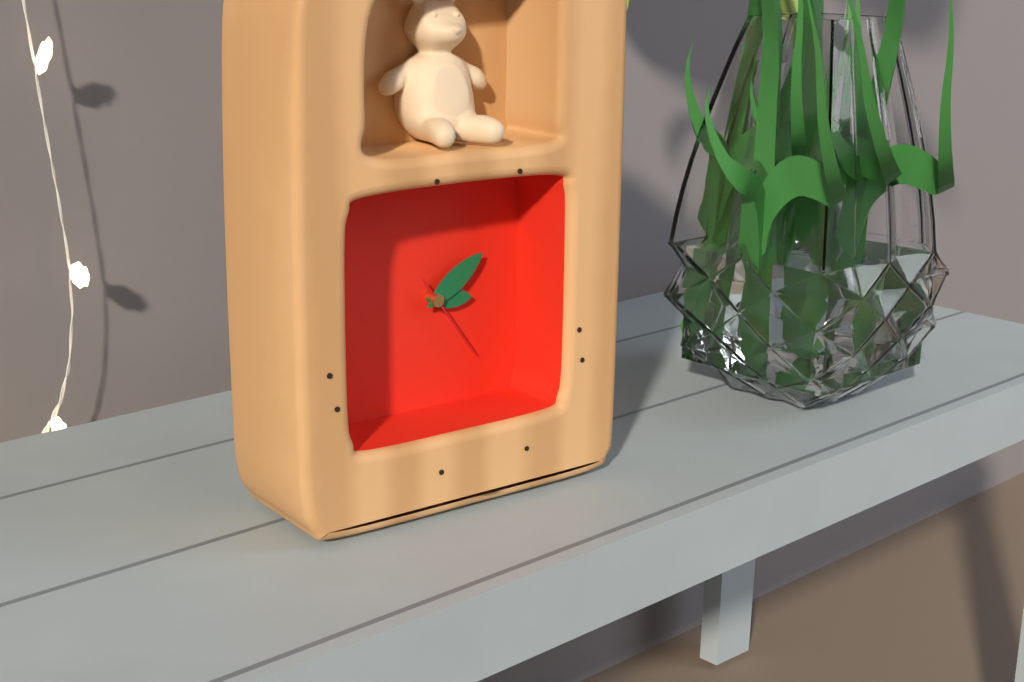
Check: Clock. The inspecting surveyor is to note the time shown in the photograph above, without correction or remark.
3:09:24
